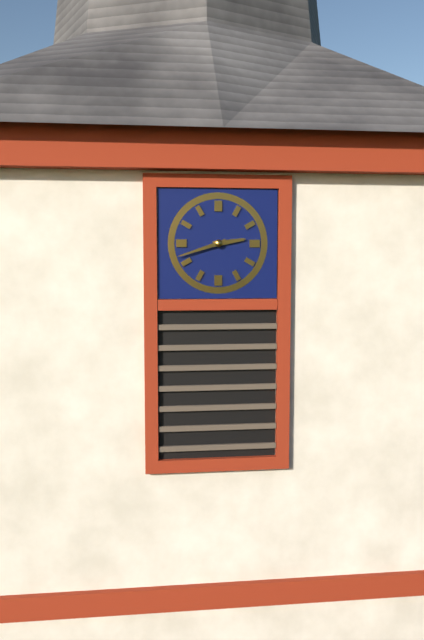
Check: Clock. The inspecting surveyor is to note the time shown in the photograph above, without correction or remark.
2:42
